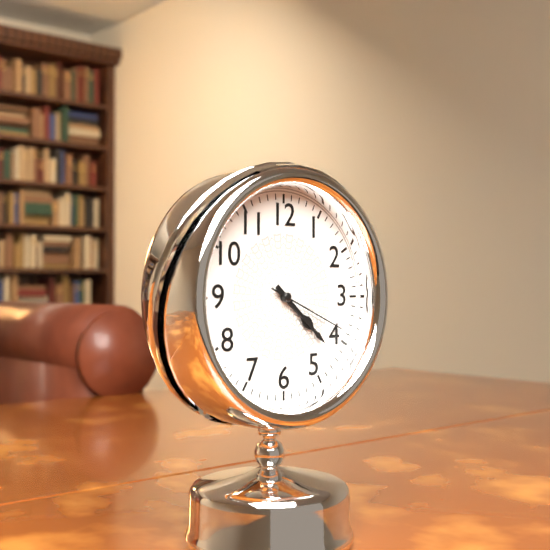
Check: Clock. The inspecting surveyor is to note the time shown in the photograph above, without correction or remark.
4:22:19
